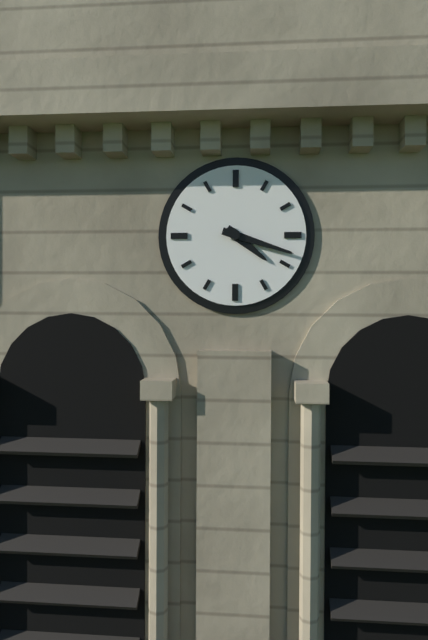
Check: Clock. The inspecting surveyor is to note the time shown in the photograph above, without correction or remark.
4:18
